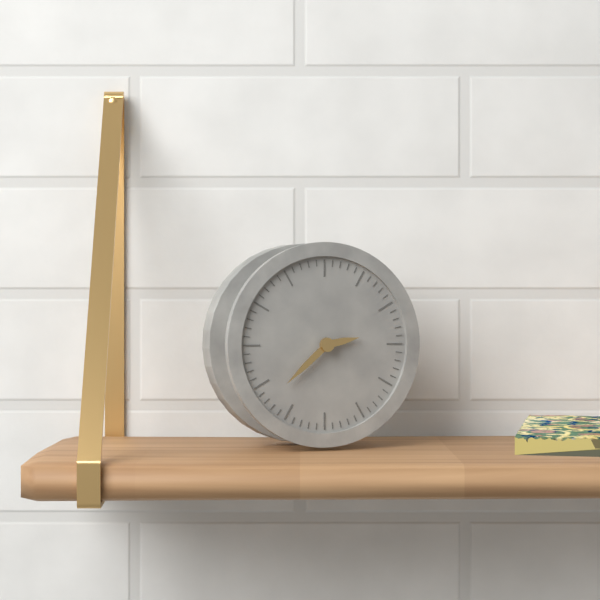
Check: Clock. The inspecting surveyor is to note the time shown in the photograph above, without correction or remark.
2:38
